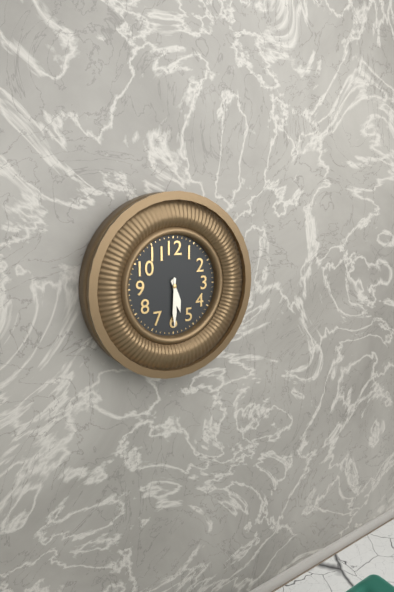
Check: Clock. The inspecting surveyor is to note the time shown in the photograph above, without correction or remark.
5:30
